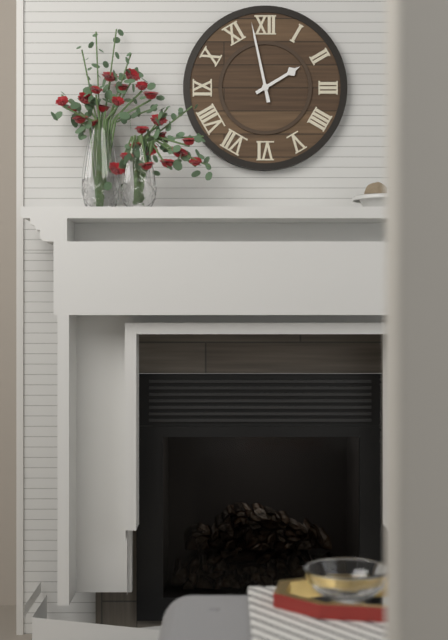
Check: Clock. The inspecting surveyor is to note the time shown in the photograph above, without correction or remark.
1:58
